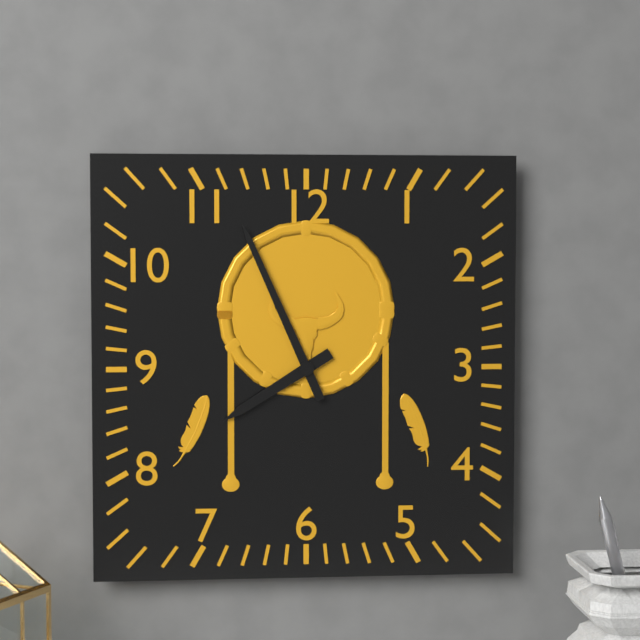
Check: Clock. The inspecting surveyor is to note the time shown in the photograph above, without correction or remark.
7:56
